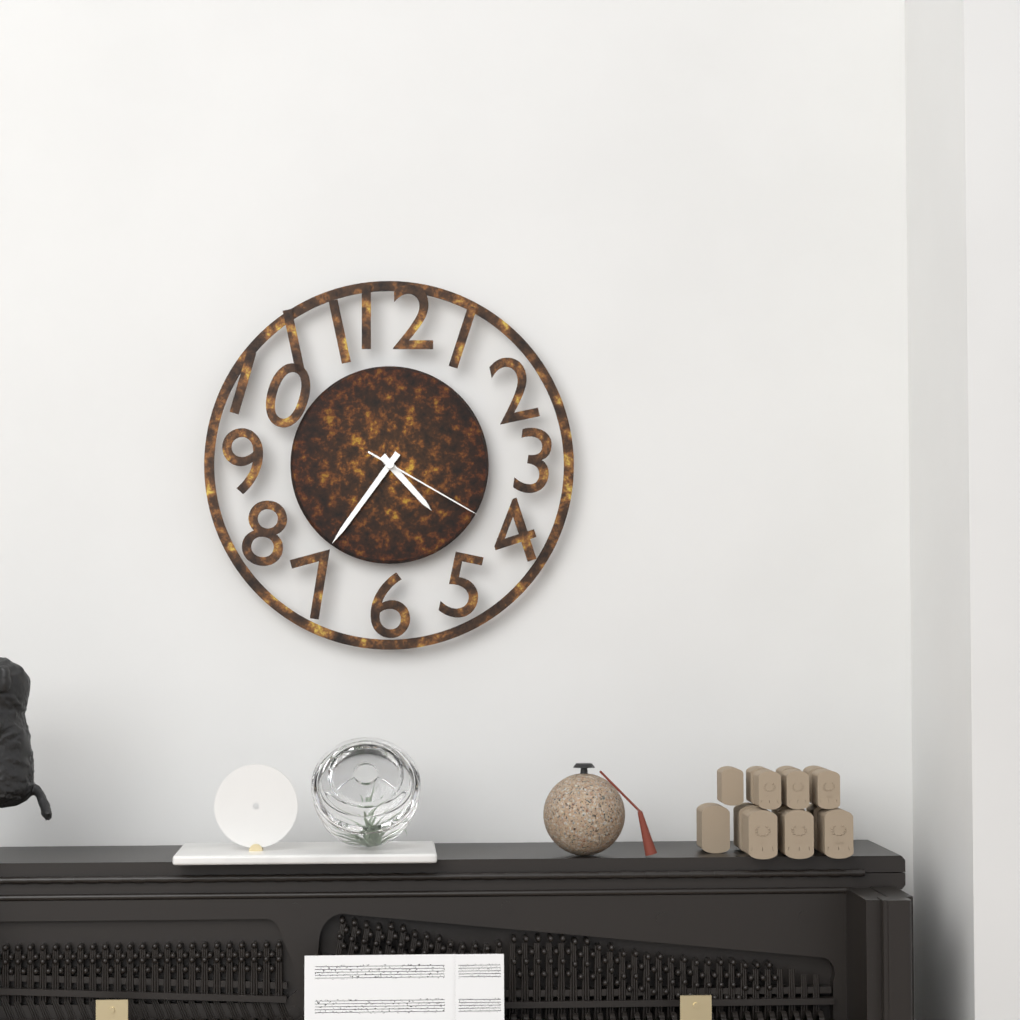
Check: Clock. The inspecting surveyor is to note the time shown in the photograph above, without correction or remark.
4:36:20
